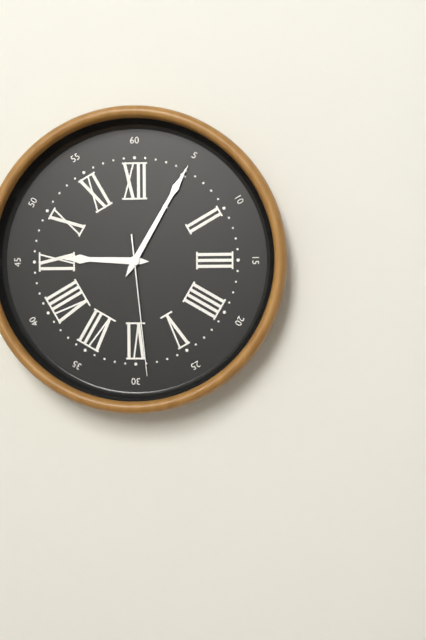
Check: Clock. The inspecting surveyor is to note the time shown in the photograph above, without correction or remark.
9:05:29
